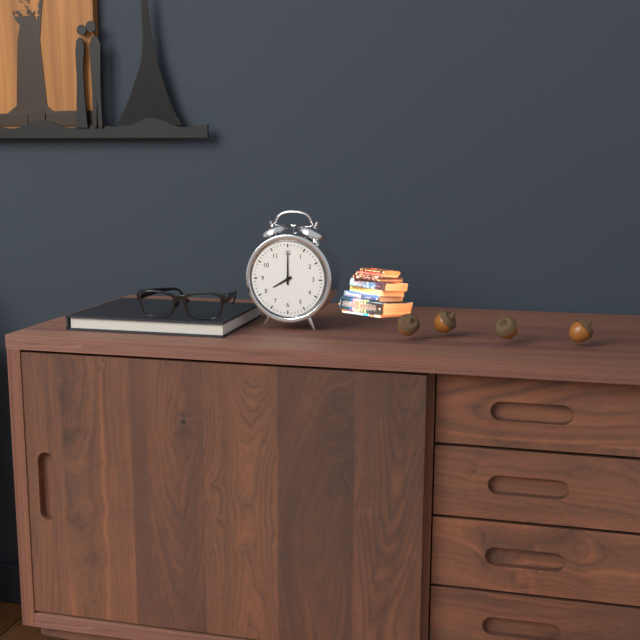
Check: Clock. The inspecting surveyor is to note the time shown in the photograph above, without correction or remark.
8:00
